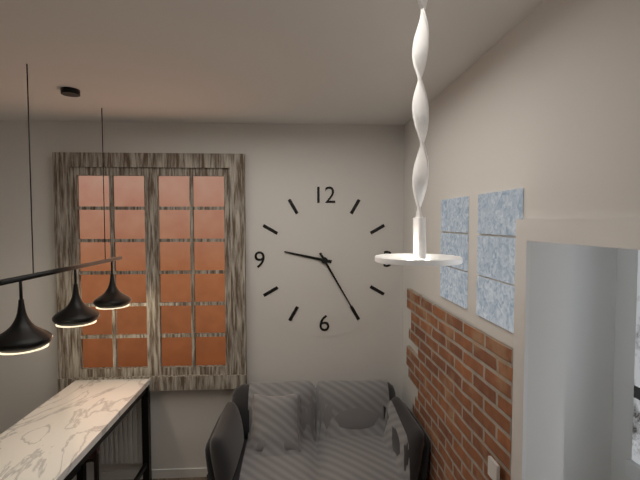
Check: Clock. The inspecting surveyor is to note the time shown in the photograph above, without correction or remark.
9:25
